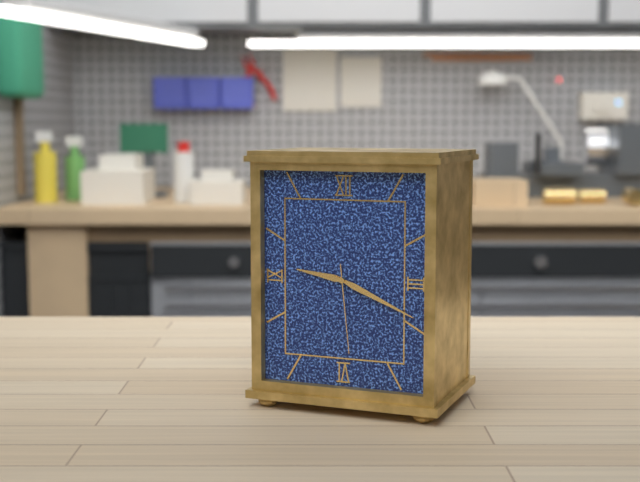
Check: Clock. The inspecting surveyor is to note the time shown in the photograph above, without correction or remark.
9:19:29
